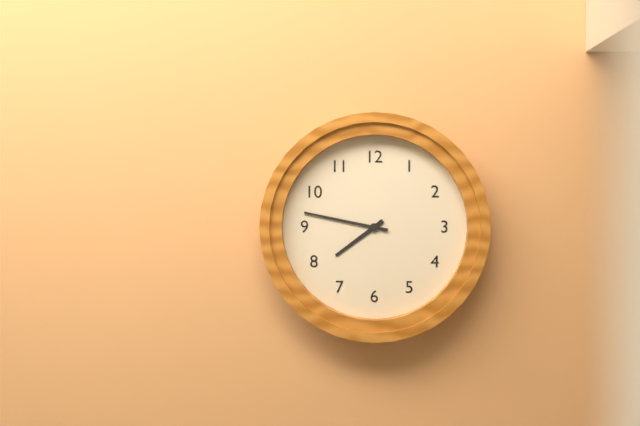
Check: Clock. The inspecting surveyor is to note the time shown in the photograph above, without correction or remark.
7:47
